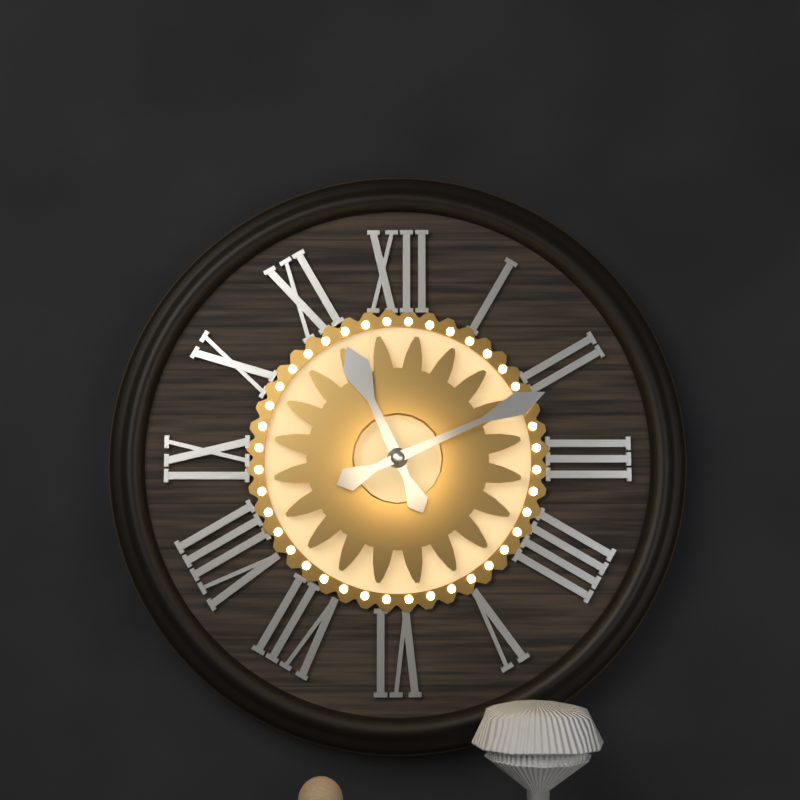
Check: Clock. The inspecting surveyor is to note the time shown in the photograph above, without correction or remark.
11:11
